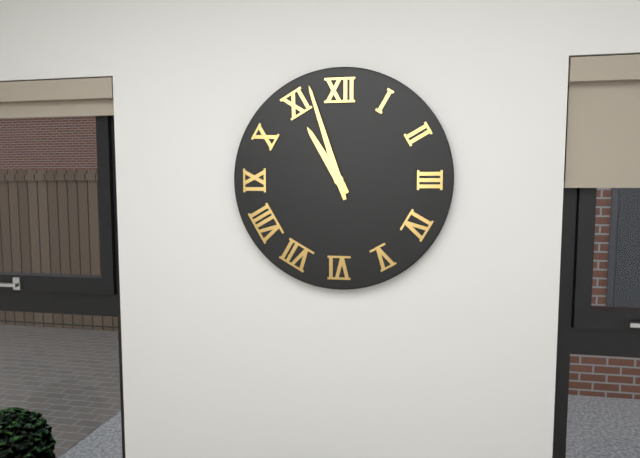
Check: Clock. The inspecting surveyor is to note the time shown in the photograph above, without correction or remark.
10:57
